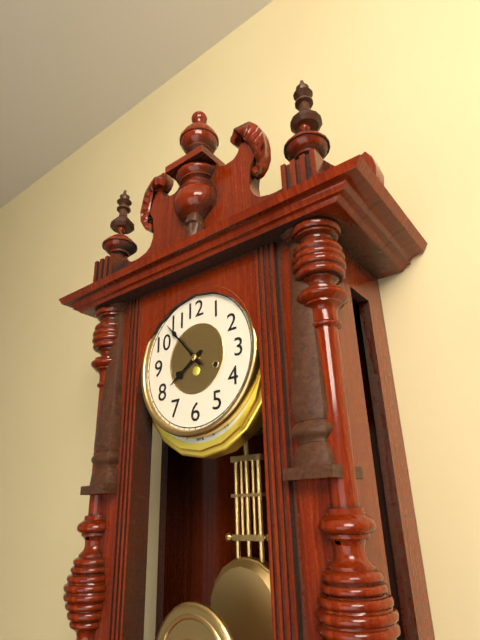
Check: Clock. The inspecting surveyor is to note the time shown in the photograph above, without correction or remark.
7:53
